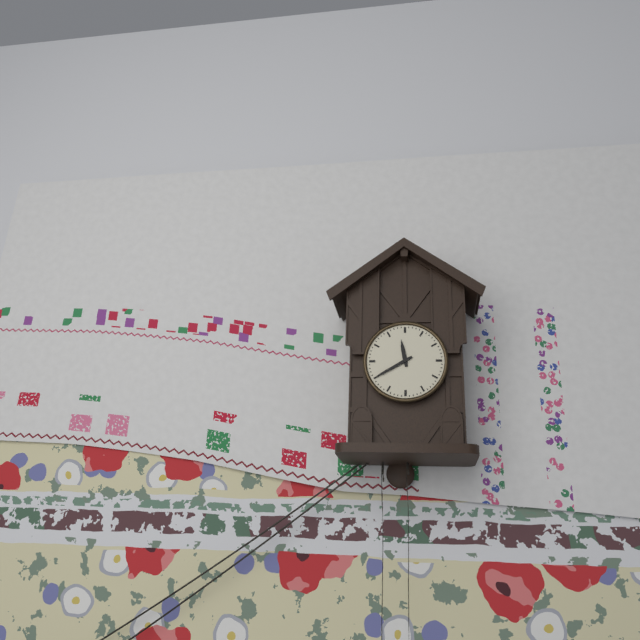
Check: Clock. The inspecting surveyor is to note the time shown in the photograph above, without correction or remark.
11:40
